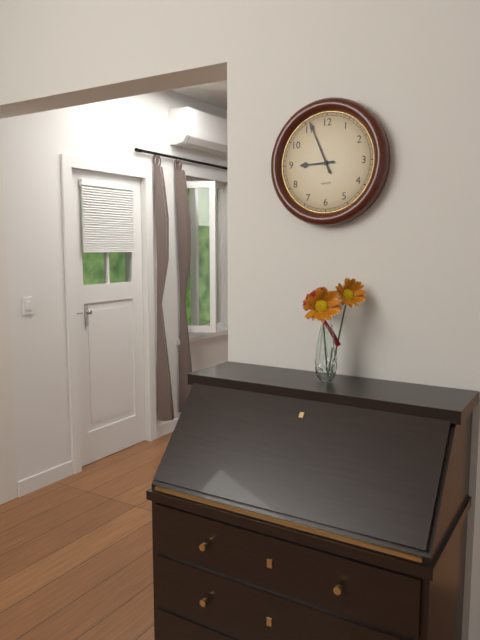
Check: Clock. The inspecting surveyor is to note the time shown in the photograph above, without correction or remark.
8:56
